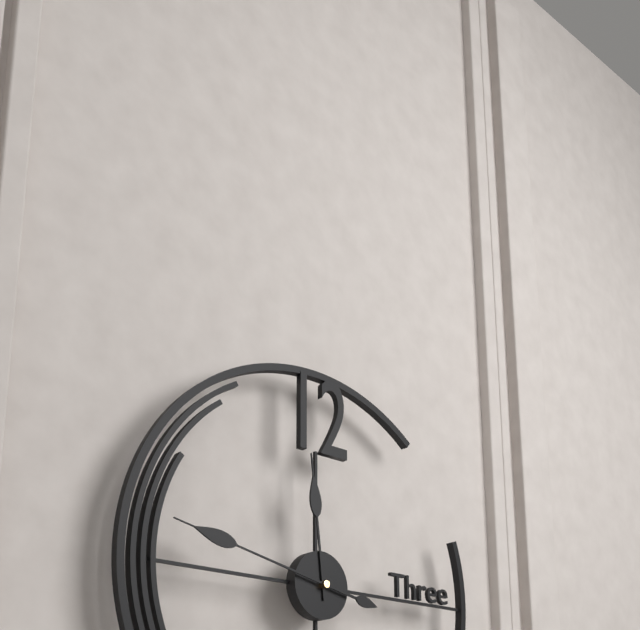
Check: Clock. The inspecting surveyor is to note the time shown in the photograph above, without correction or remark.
11:47
